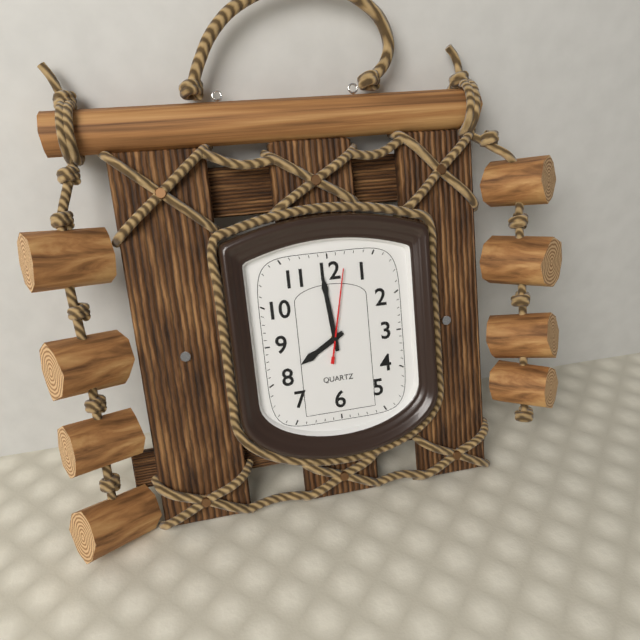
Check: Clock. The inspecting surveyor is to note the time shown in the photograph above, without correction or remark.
7:59:02
